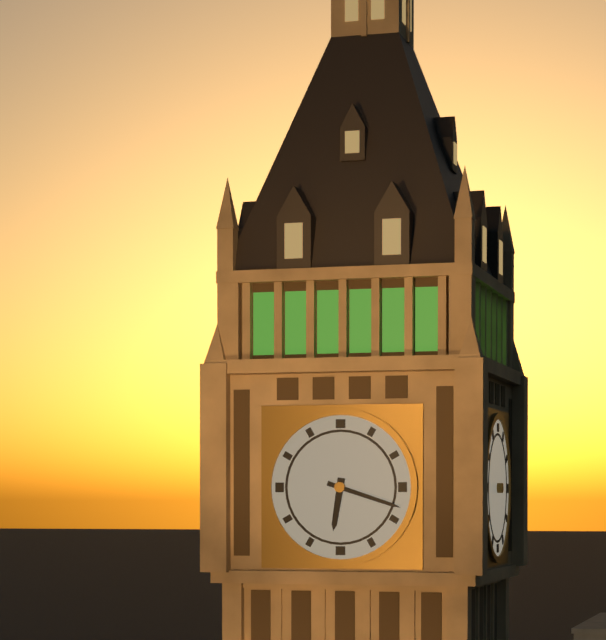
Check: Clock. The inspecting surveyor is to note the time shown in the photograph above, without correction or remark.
6:18
